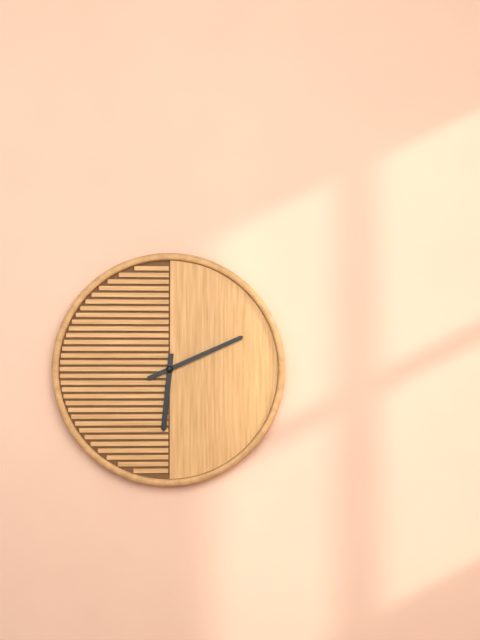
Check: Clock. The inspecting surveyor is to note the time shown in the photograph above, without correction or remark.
6:11
